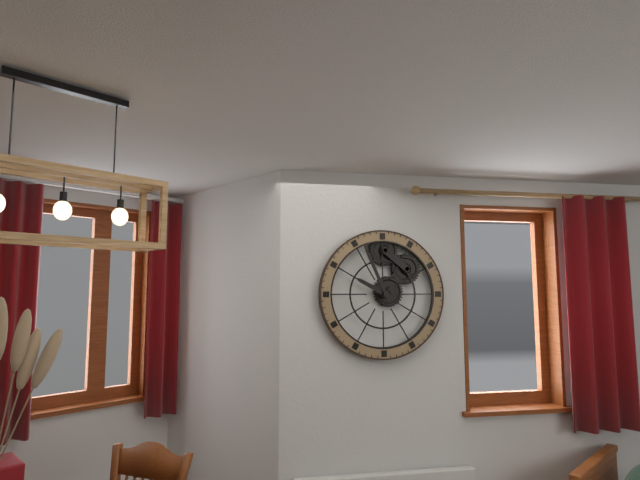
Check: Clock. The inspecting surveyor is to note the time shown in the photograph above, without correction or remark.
9:56
